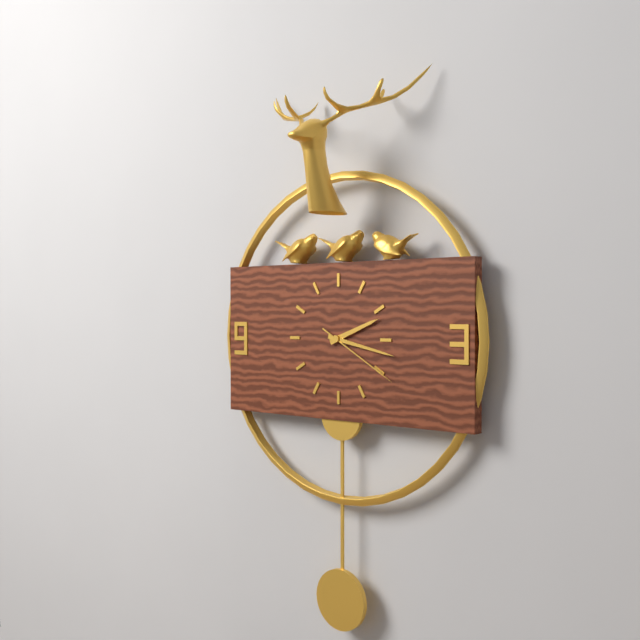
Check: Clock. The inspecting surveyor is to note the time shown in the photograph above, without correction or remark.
2:17:20
